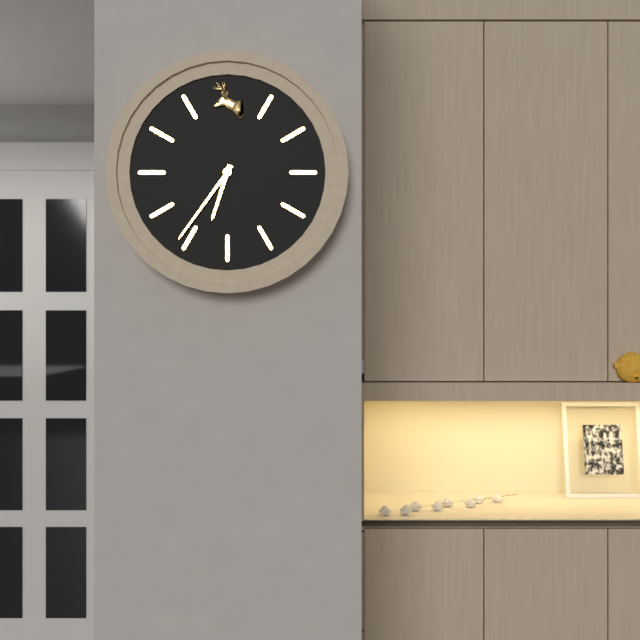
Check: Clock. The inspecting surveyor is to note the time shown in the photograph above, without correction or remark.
6:36
